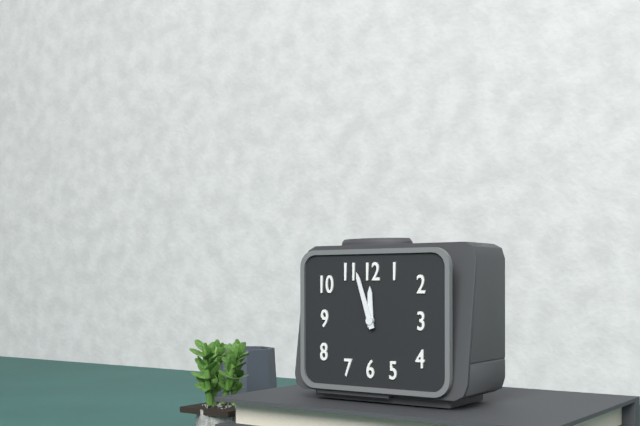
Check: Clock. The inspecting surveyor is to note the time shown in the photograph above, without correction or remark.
11:57
